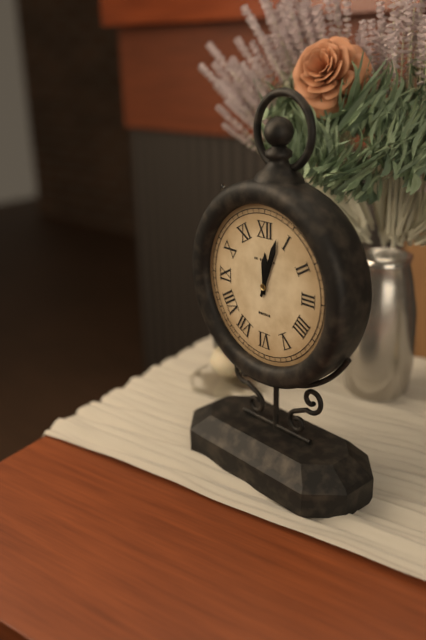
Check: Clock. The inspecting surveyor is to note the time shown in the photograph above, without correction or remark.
12:03
